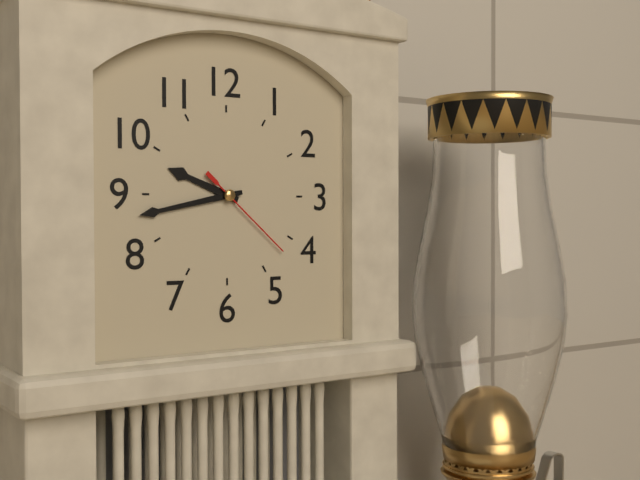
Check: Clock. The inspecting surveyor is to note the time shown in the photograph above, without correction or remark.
9:43:22
